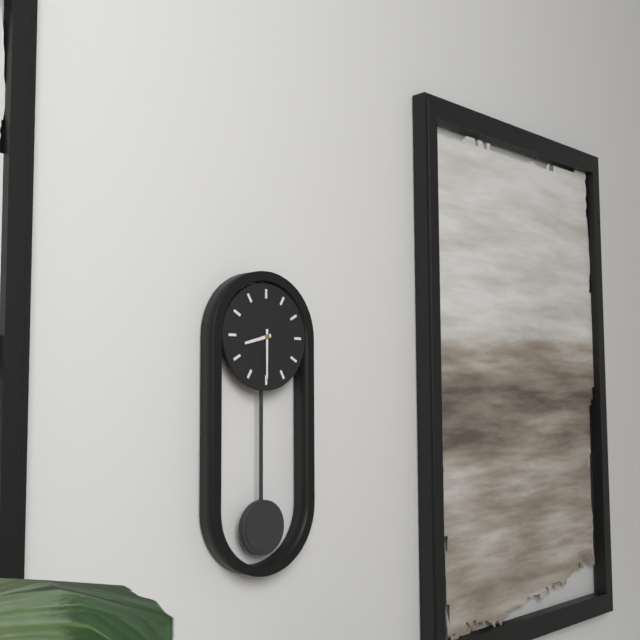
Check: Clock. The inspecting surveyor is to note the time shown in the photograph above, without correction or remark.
8:30
